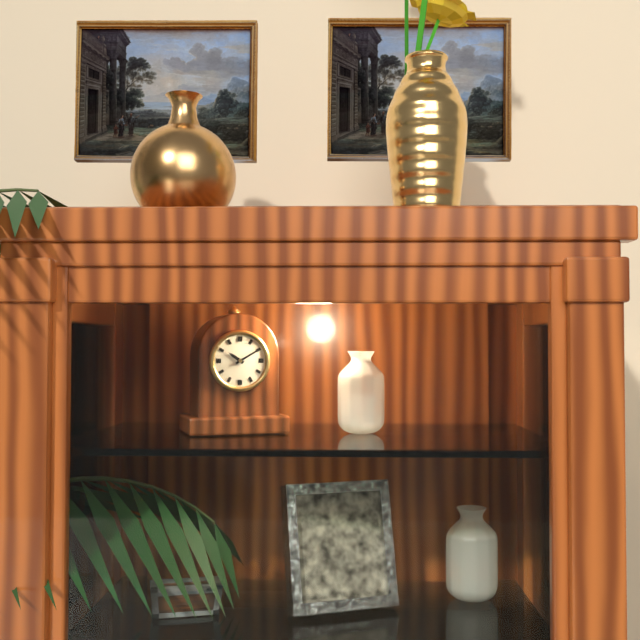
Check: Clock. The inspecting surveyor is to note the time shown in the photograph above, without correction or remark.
10:10
